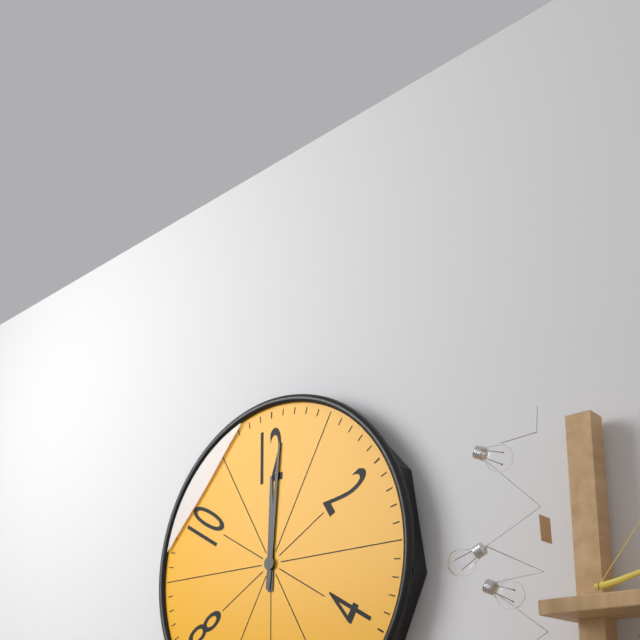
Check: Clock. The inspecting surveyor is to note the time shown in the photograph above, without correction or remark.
12:01
